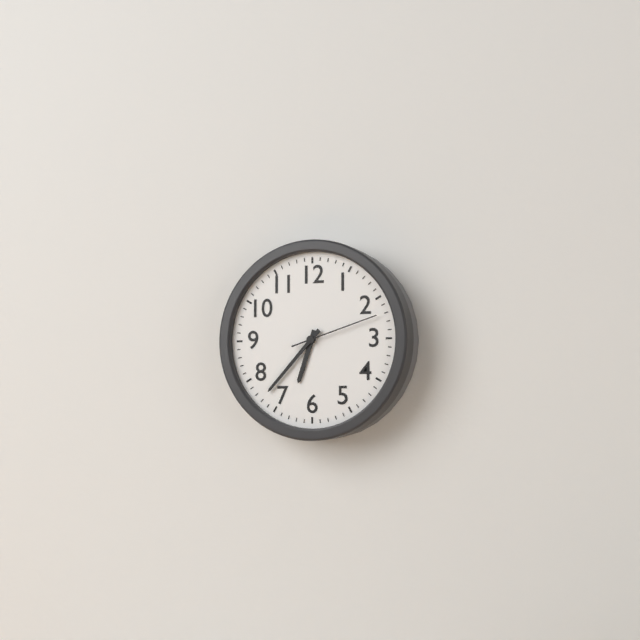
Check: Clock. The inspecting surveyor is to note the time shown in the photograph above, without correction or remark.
6:37:12
